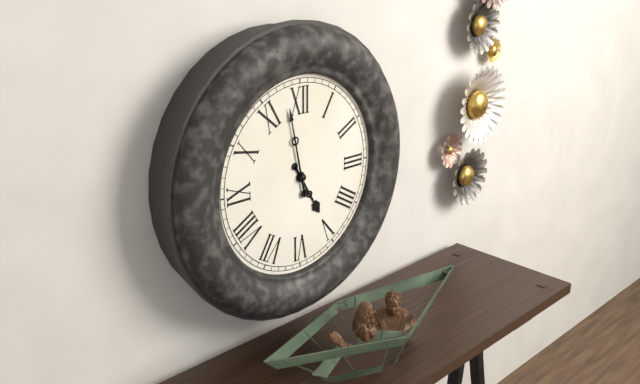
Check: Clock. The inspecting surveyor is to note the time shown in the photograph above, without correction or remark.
4:58
